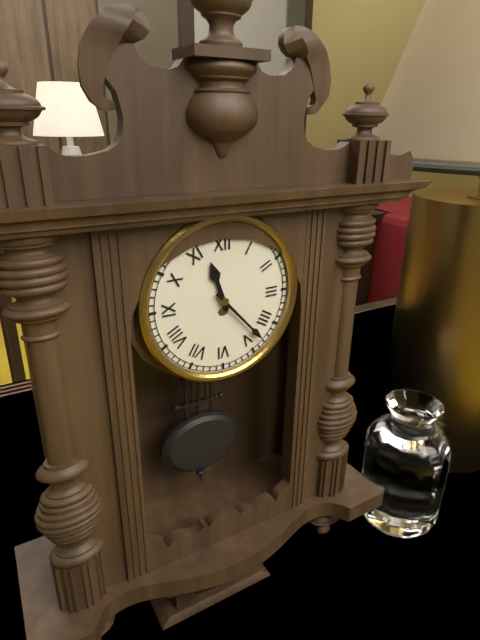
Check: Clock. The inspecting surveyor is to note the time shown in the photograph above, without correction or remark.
11:23
